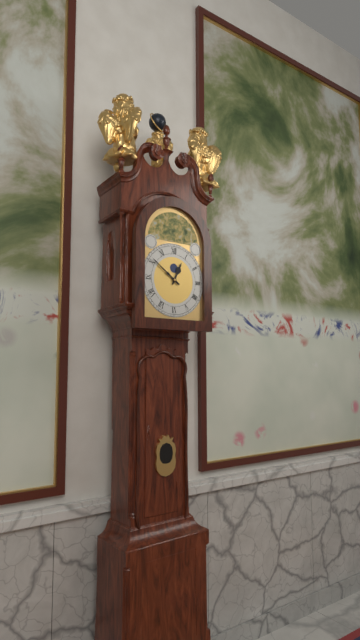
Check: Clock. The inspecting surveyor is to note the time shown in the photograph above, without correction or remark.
12:51
